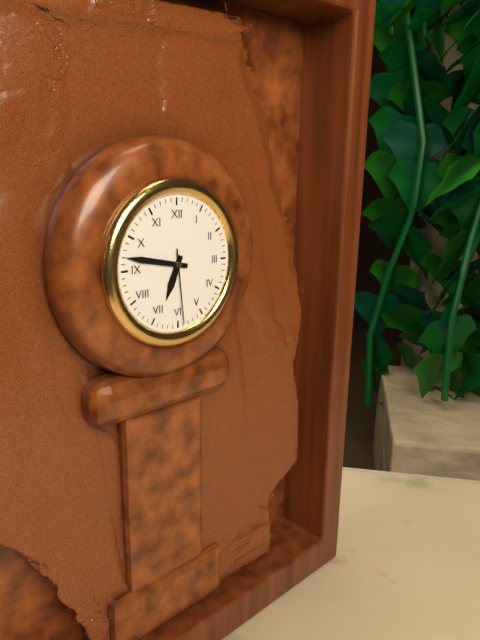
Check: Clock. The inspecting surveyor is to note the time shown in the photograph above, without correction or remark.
6:47:29
